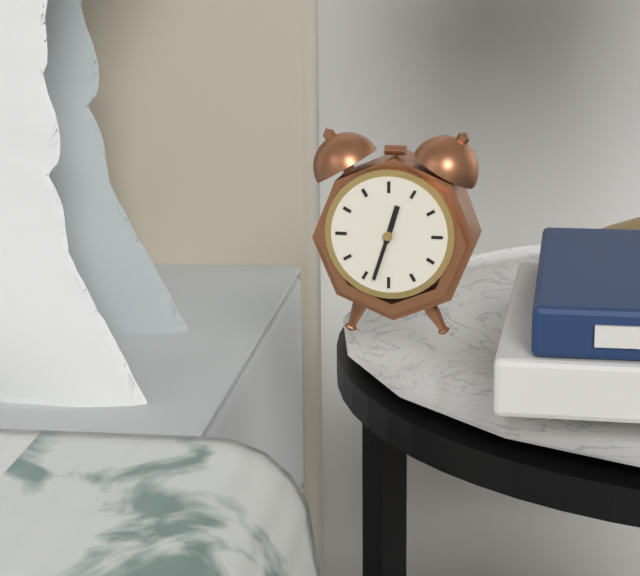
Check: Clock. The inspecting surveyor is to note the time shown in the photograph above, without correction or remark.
12:33
